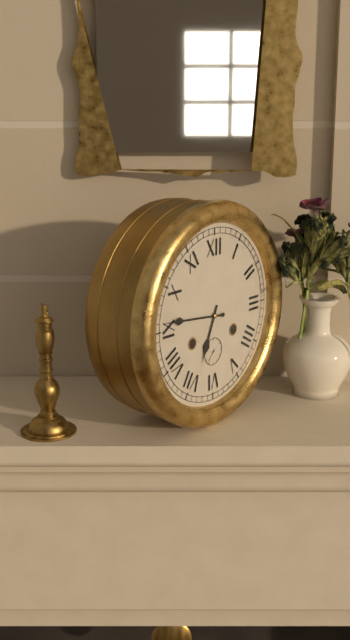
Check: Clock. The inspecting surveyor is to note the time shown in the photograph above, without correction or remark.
6:46
